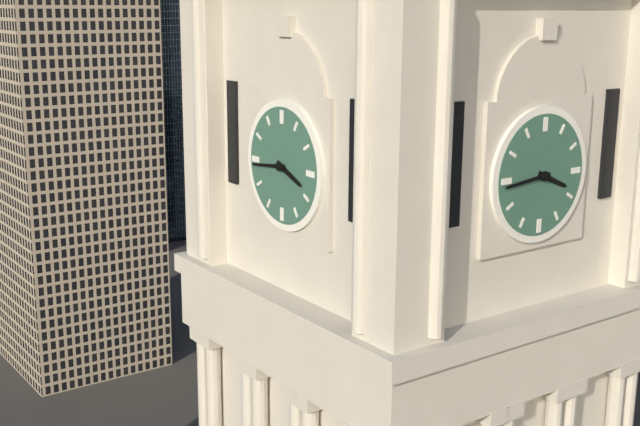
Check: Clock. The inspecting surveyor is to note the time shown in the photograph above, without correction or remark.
3:44
